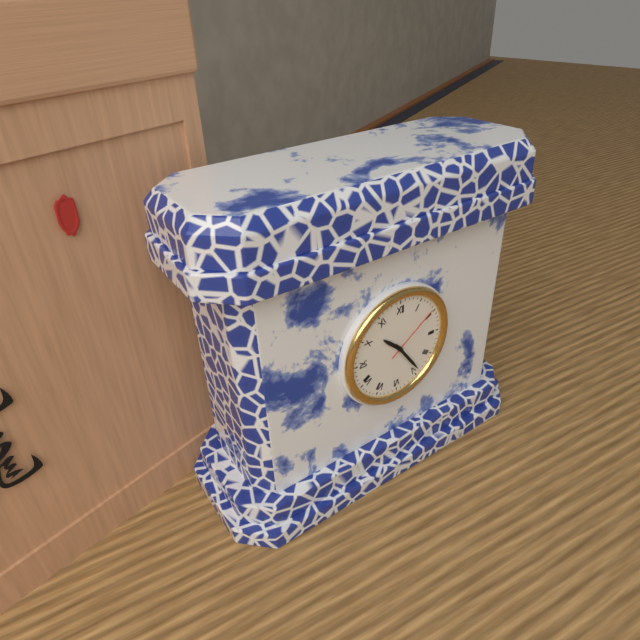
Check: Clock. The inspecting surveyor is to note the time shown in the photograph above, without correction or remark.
10:24:09
